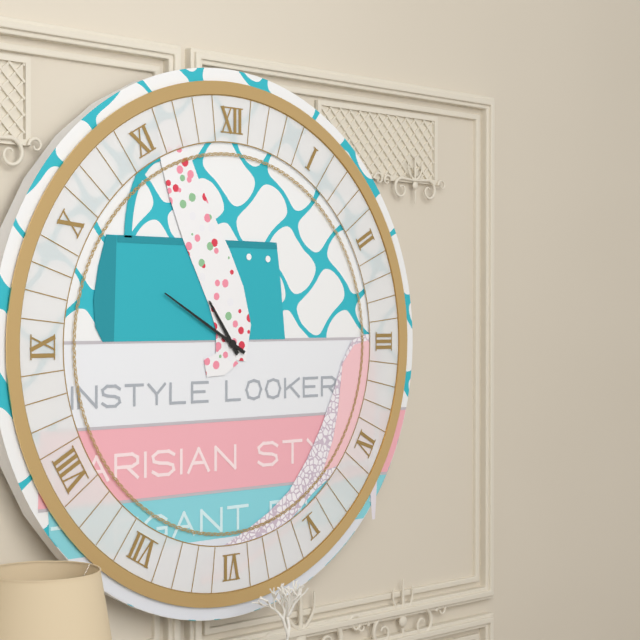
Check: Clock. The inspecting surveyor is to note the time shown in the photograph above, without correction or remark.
10:50
